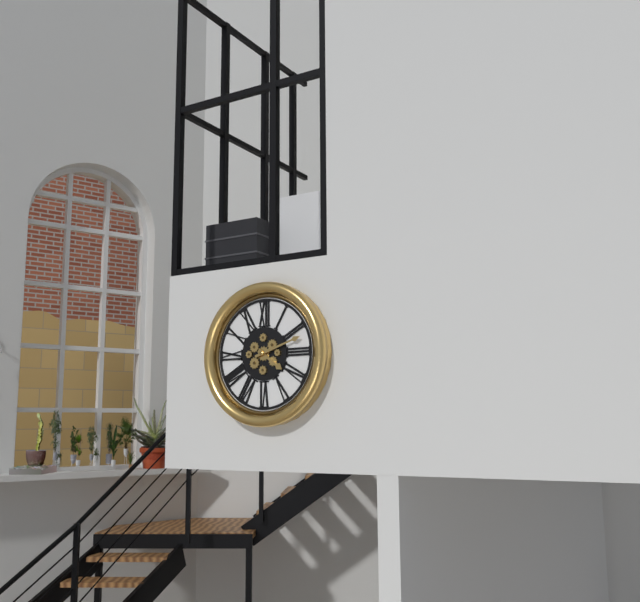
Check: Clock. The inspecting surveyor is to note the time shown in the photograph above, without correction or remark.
4:12
